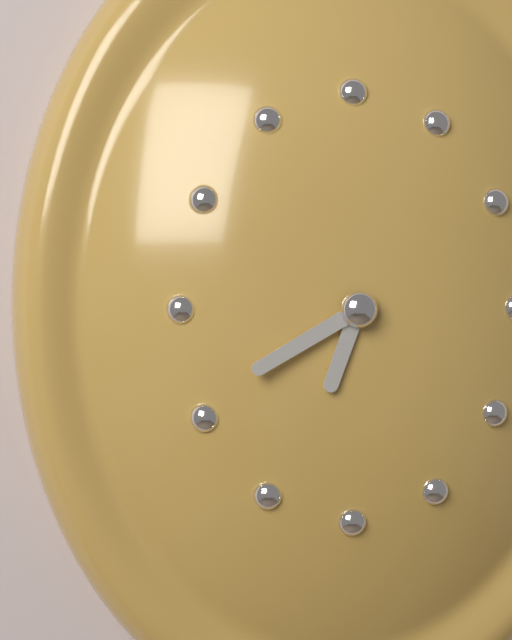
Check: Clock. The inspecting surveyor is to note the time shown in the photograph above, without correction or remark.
6:40
